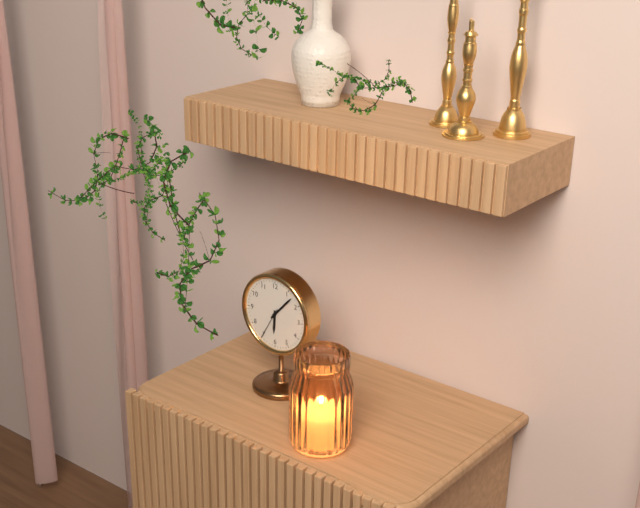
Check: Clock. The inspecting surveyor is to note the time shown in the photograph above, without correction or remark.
6:07
